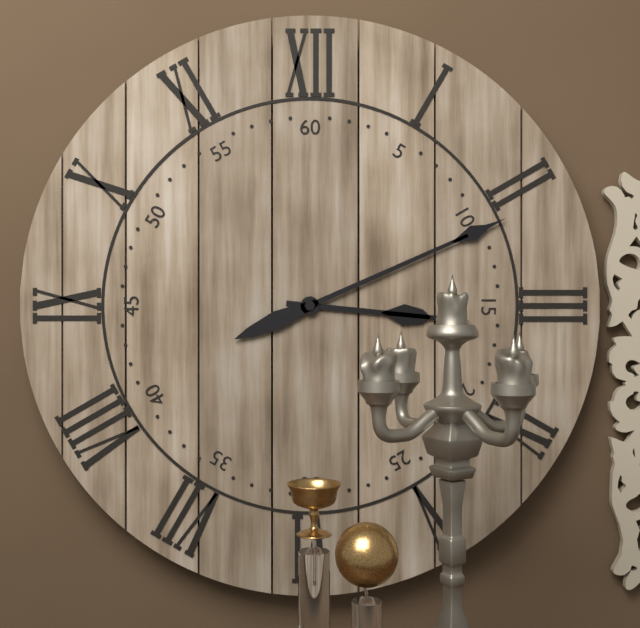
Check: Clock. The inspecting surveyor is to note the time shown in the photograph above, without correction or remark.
3:11
